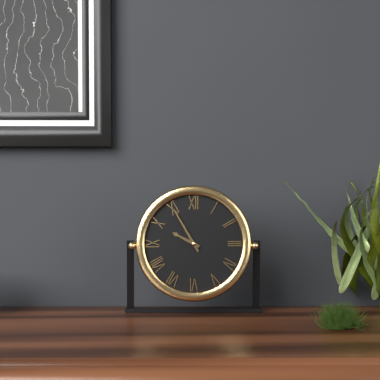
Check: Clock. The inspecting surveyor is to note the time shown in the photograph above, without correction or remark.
9:55
